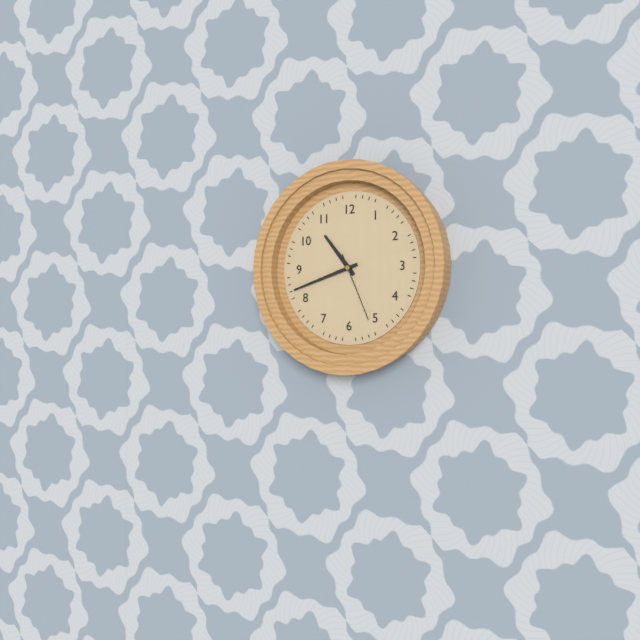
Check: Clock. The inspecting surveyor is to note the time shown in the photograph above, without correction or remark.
10:42:26
